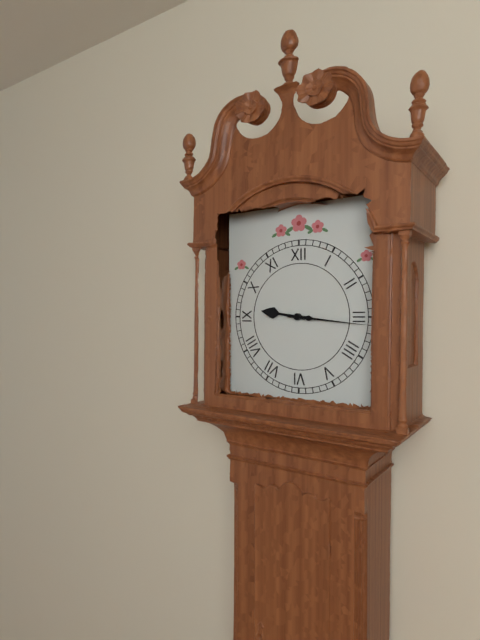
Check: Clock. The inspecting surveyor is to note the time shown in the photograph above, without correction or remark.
9:16
